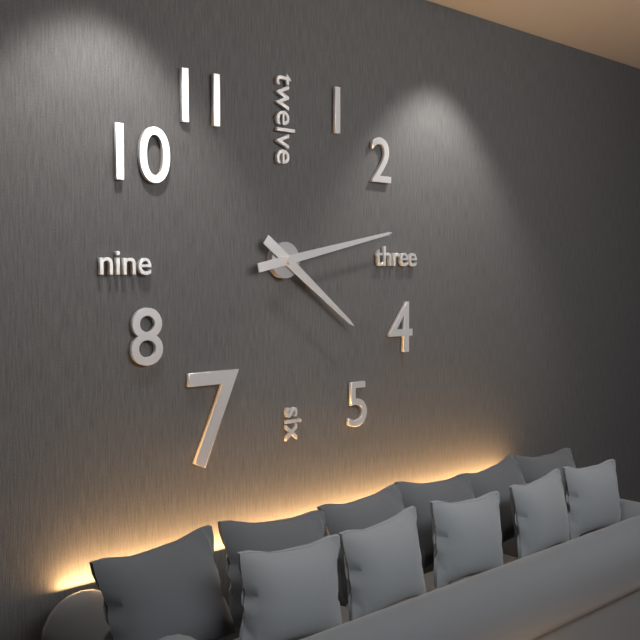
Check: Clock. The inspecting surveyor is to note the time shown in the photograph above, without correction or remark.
4:13
